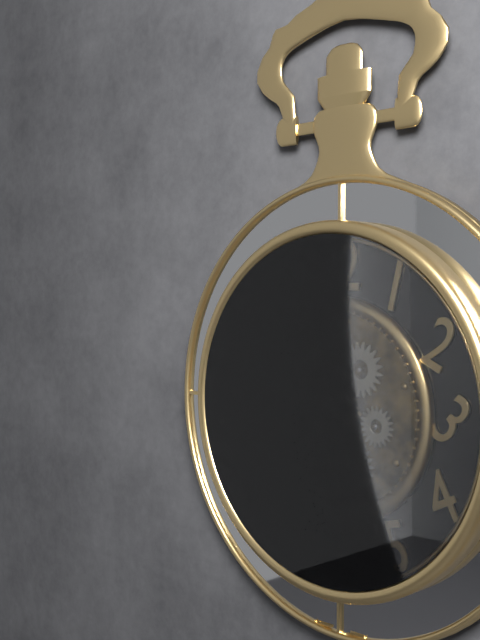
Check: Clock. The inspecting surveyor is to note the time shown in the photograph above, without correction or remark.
11:45
